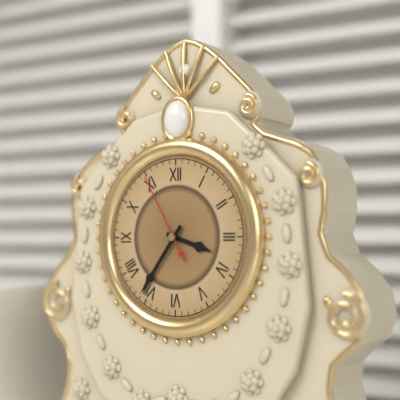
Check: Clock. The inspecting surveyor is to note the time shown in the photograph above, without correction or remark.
3:36:55
